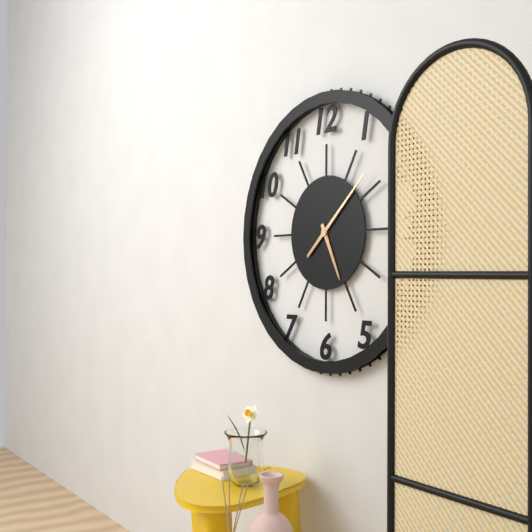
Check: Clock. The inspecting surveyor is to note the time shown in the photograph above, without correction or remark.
5:08
